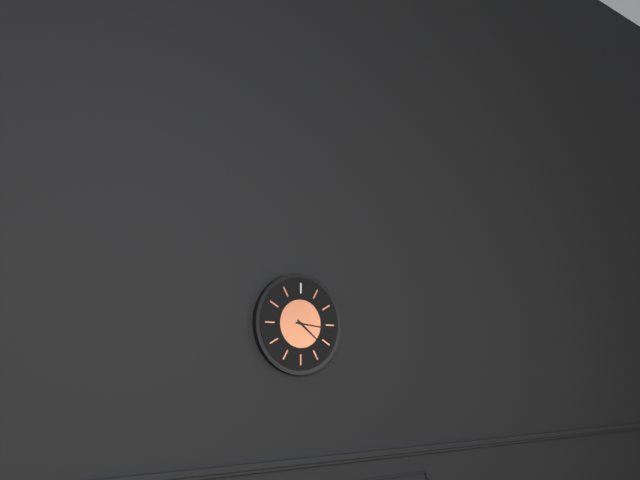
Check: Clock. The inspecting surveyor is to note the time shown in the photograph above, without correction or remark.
4:16
